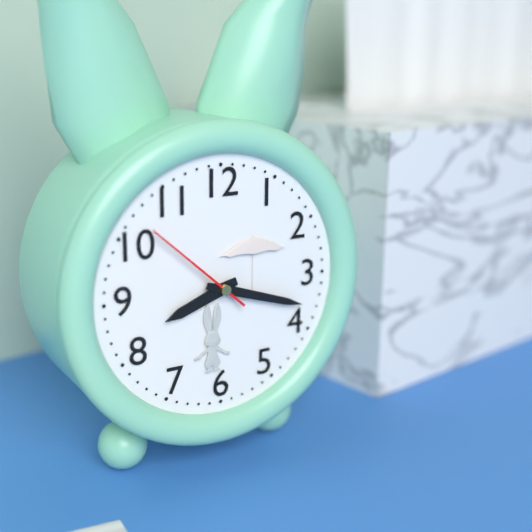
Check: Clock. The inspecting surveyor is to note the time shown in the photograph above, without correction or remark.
8:18:52
